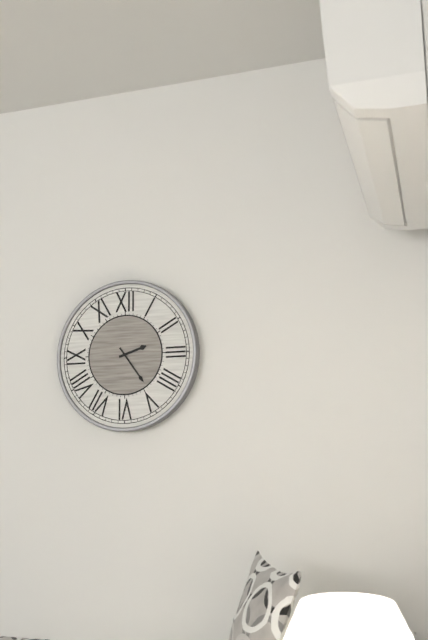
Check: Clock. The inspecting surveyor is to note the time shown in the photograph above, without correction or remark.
2:24
